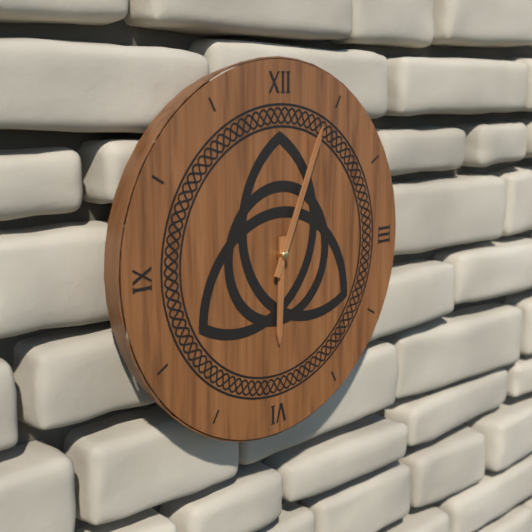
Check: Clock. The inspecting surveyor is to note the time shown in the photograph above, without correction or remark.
6:04
